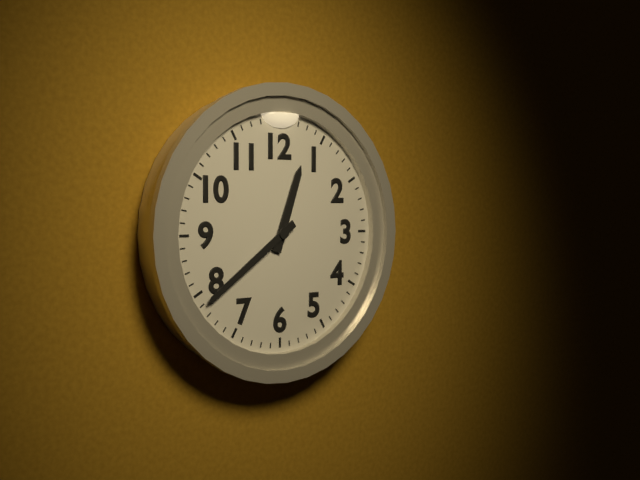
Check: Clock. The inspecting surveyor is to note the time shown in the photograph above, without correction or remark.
12:39
